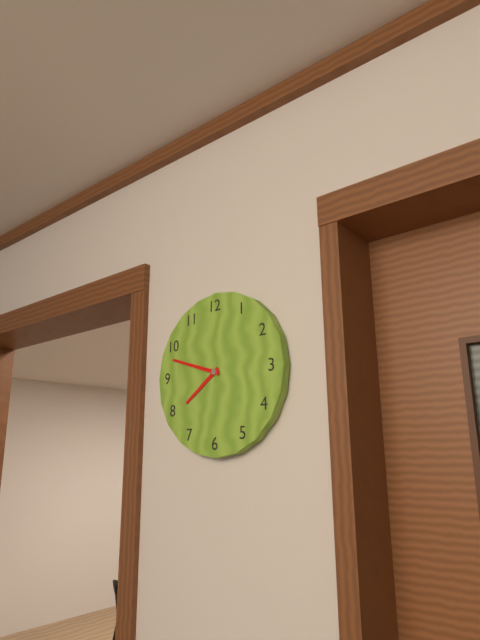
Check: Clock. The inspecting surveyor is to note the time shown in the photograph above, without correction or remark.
7:48
